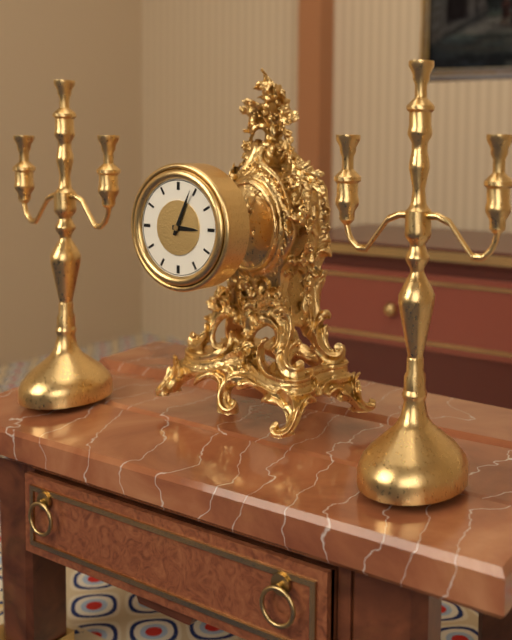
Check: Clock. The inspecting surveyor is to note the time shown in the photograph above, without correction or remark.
3:04
